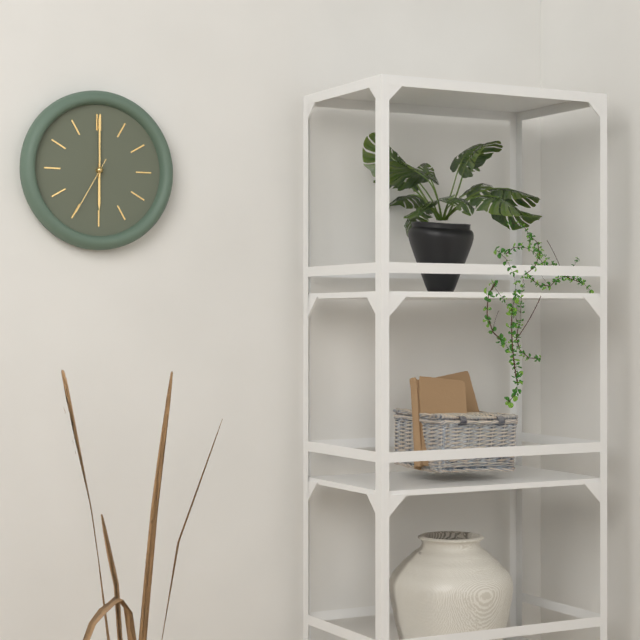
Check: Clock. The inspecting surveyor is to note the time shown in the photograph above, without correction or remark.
6:00:35
